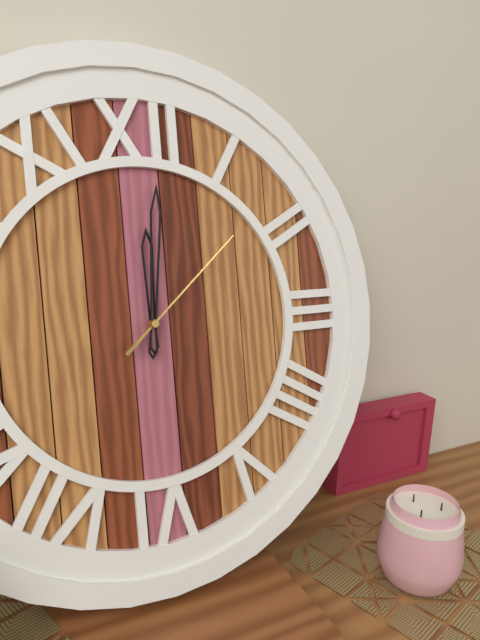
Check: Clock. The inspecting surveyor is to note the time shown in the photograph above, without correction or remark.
12:01:08
